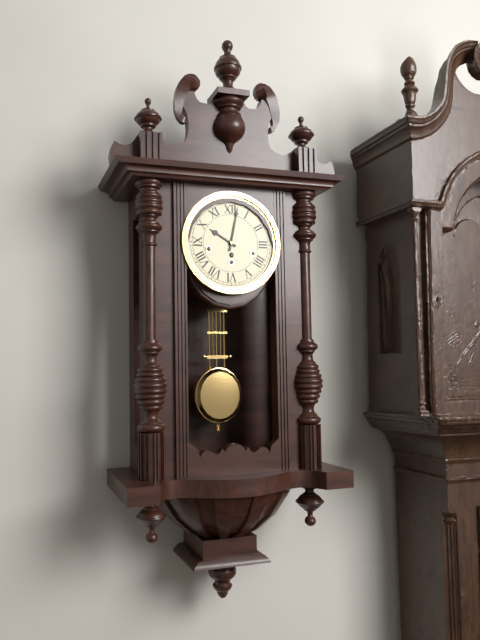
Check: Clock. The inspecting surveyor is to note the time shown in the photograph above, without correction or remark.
10:02
